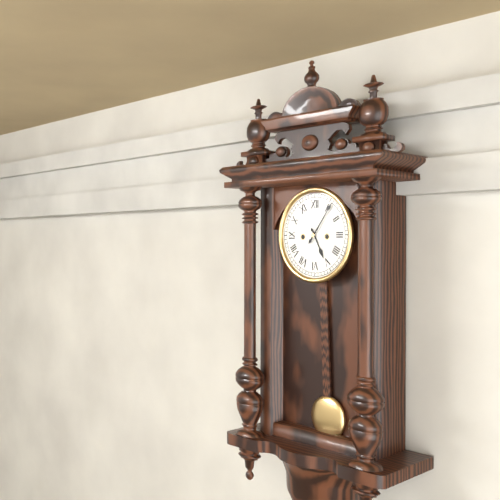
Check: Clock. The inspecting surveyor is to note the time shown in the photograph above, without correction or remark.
5:06
